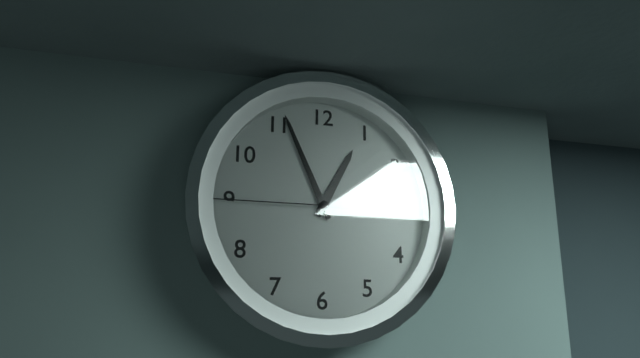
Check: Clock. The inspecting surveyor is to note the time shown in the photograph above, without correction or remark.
12:56:45
